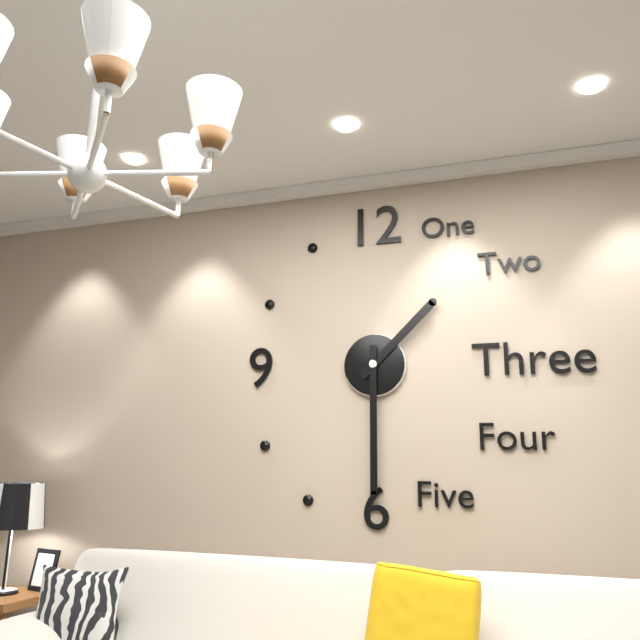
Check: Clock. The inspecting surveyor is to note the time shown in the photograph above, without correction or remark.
1:30
